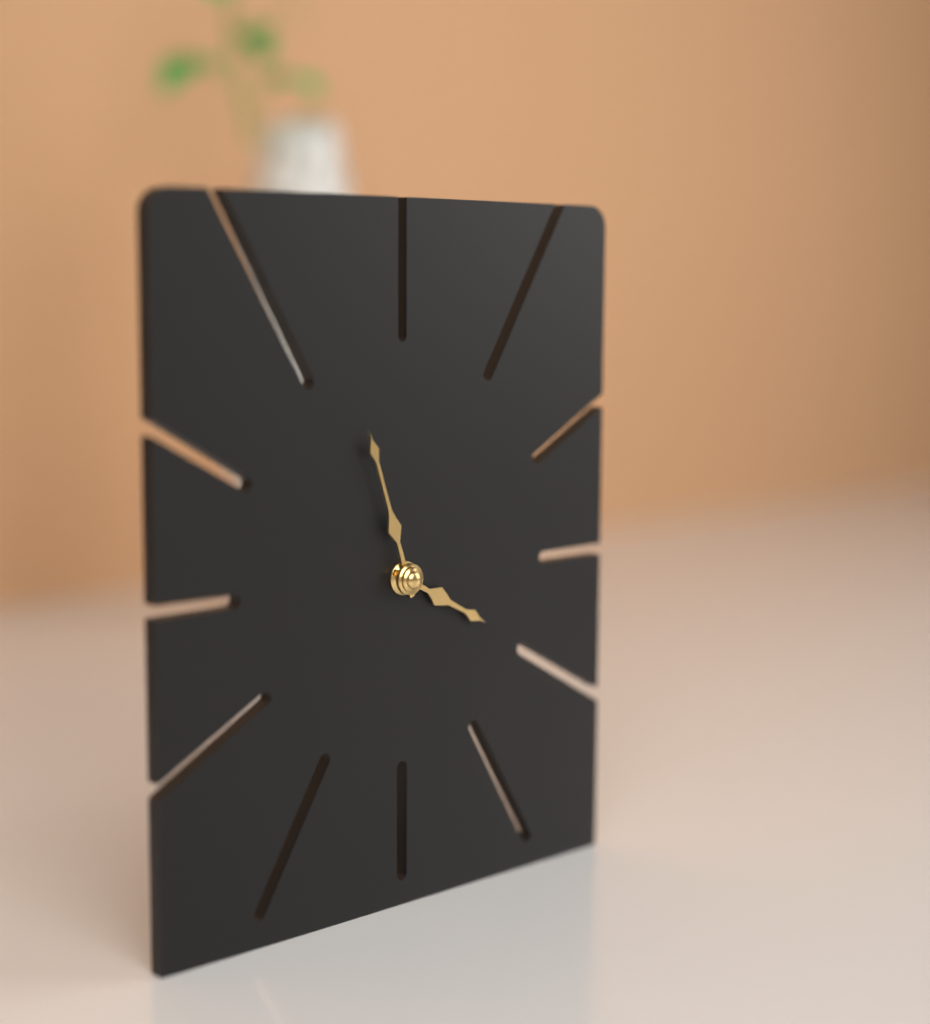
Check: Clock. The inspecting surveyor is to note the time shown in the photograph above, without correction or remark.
3:57
